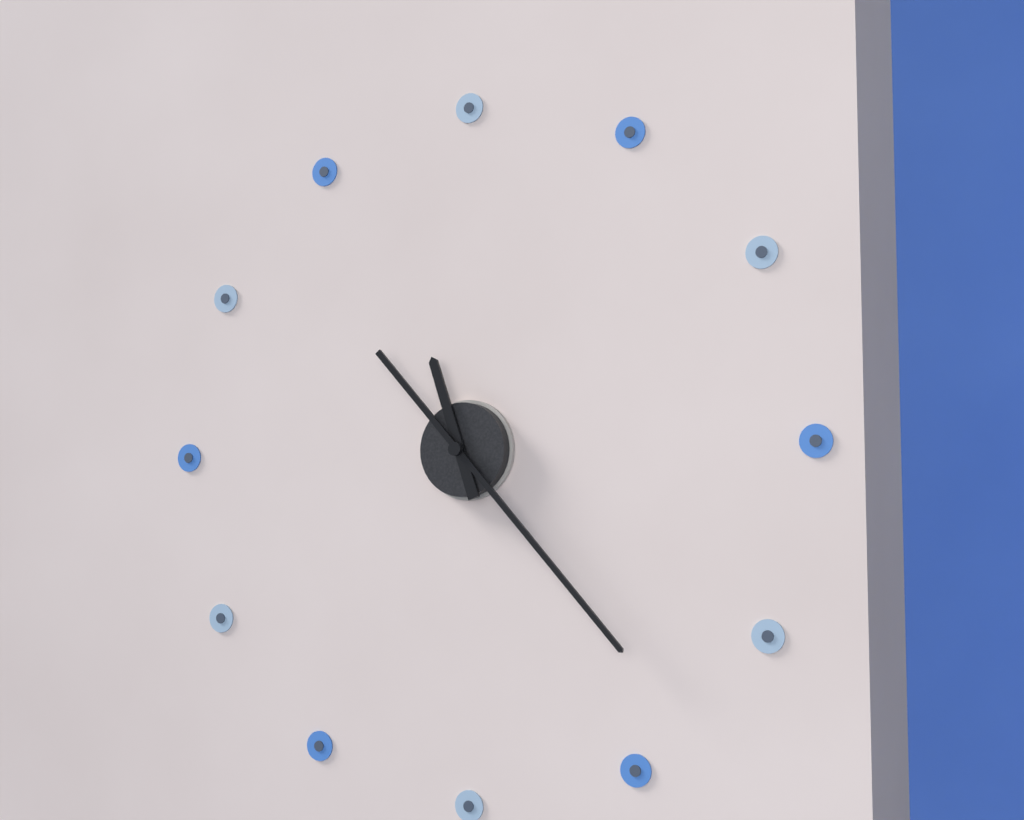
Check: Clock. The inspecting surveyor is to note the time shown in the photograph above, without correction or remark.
11:23
